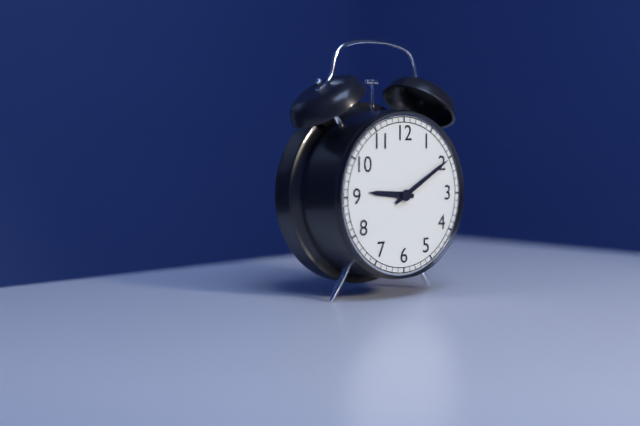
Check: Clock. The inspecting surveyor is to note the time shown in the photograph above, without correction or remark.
9:10
